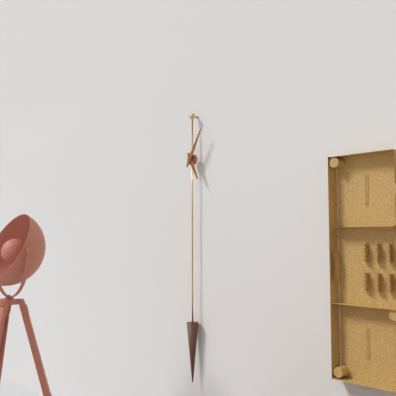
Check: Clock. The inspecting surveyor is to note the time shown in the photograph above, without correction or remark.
5:05
